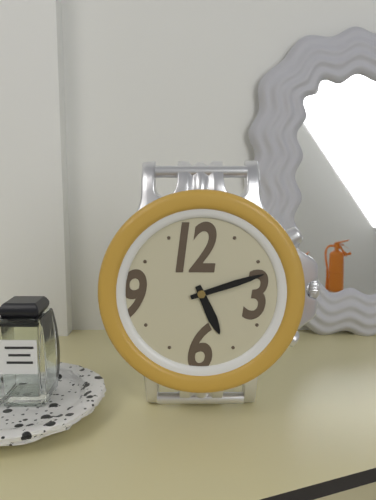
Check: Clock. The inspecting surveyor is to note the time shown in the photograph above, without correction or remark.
5:12
